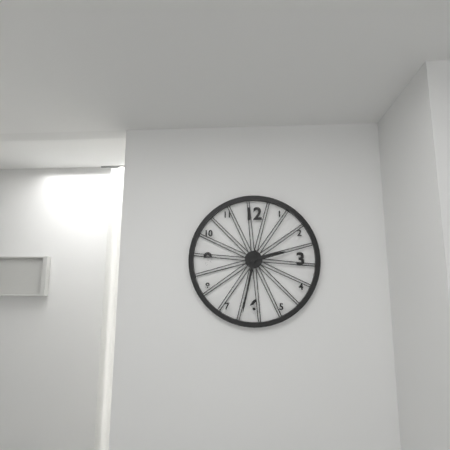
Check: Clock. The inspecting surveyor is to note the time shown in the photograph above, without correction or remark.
2:32
